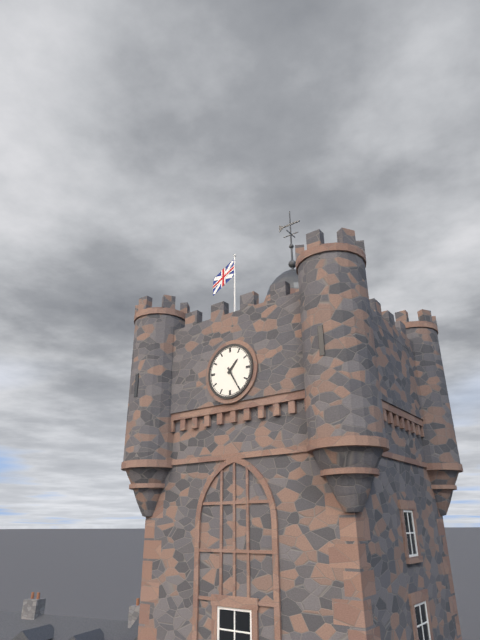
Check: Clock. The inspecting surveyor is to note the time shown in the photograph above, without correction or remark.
1:25
